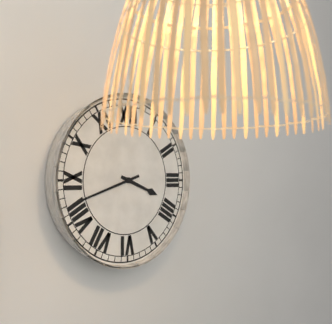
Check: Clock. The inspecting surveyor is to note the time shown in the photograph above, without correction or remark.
3:42
